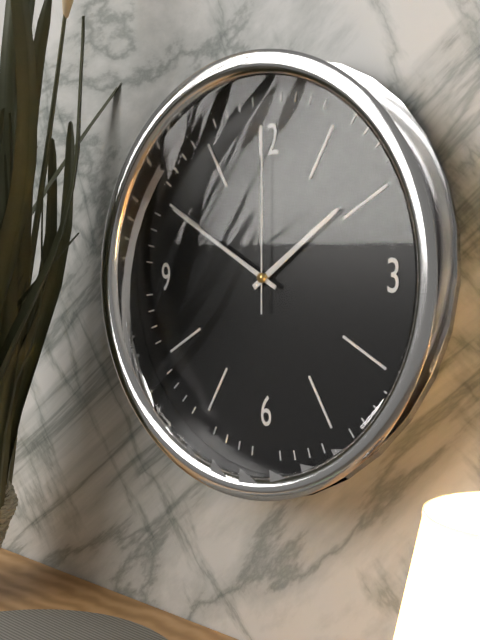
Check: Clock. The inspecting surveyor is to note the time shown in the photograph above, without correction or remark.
1:50:00
